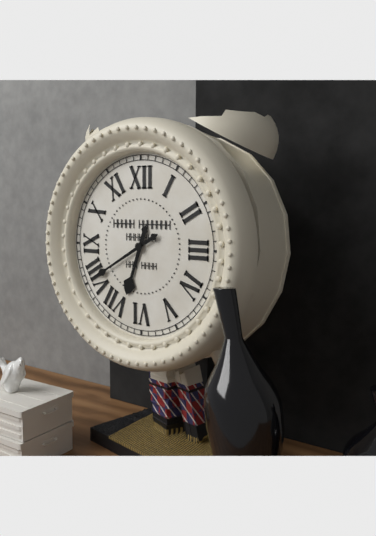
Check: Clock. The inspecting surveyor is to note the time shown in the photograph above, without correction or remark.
6:40
